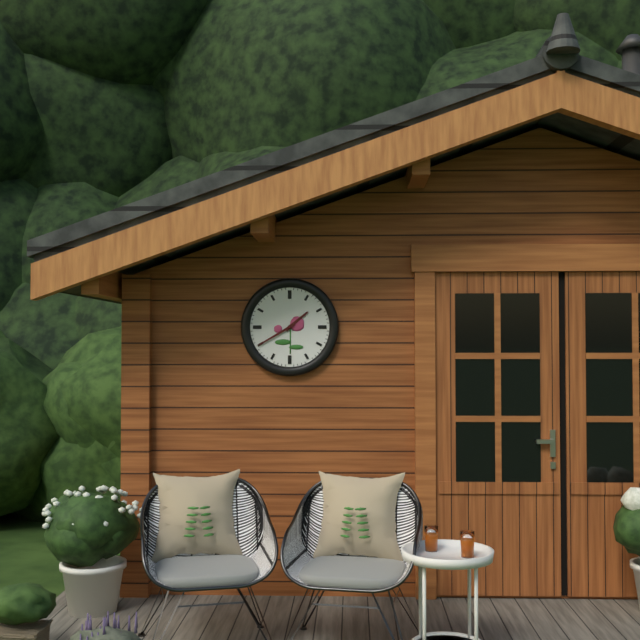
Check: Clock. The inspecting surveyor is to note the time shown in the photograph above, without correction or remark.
1:40
